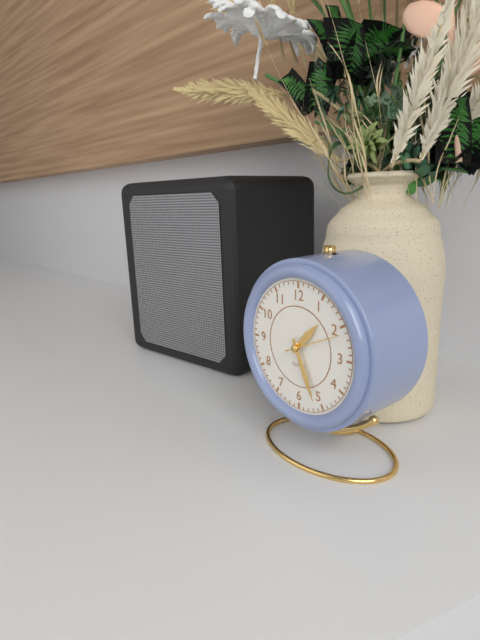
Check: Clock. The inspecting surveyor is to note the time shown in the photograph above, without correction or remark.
1:26:11
